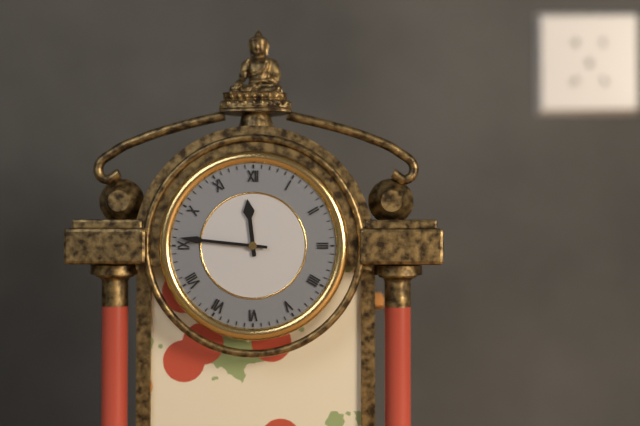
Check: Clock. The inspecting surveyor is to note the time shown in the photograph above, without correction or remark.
11:46
